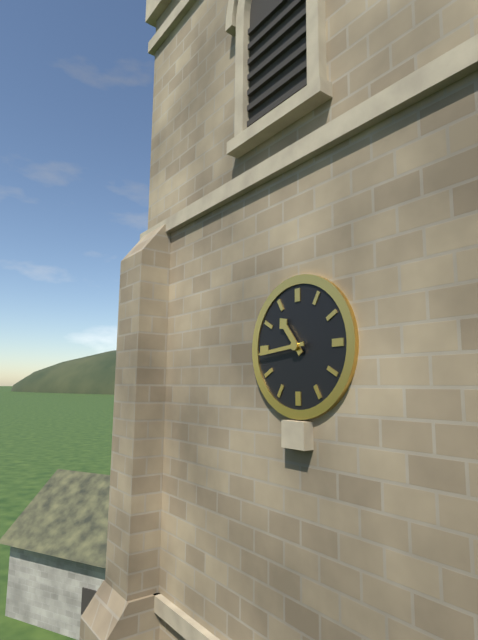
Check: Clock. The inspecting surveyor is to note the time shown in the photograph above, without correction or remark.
10:44
